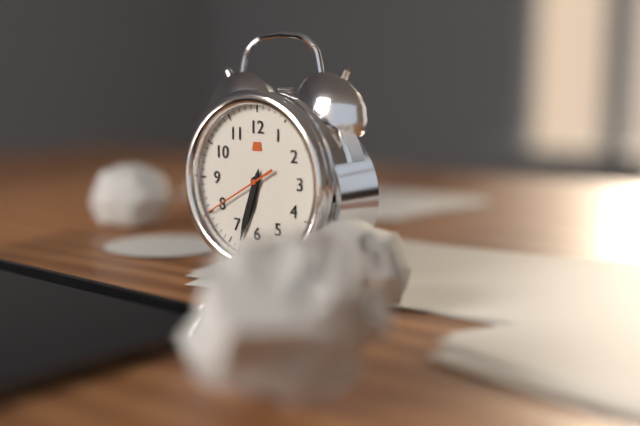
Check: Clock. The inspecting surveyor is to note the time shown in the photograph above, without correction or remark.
6:33:40
